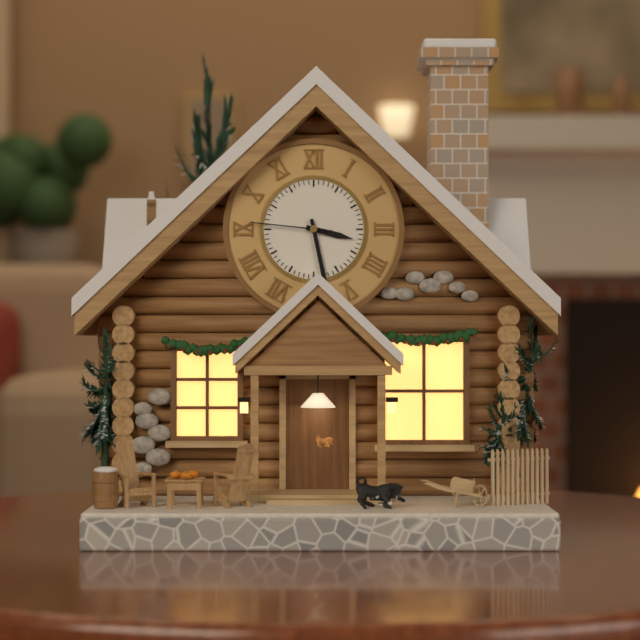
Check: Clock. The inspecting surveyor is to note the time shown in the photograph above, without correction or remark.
3:28:46
